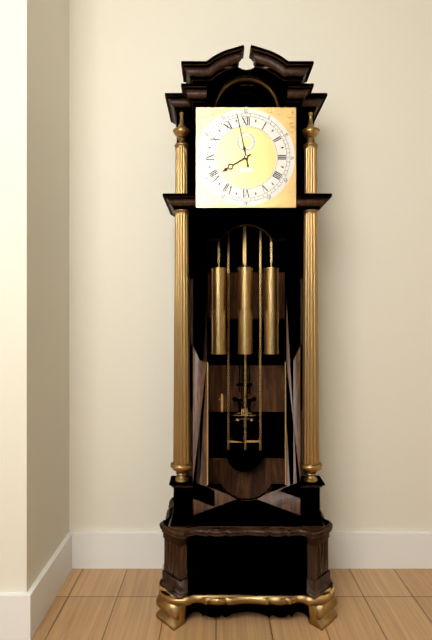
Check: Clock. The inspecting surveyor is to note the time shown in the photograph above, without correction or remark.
7:58
